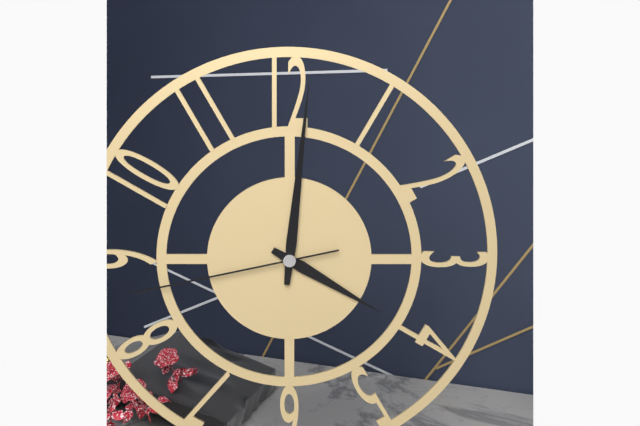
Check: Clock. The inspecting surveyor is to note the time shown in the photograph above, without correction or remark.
4:01:43
